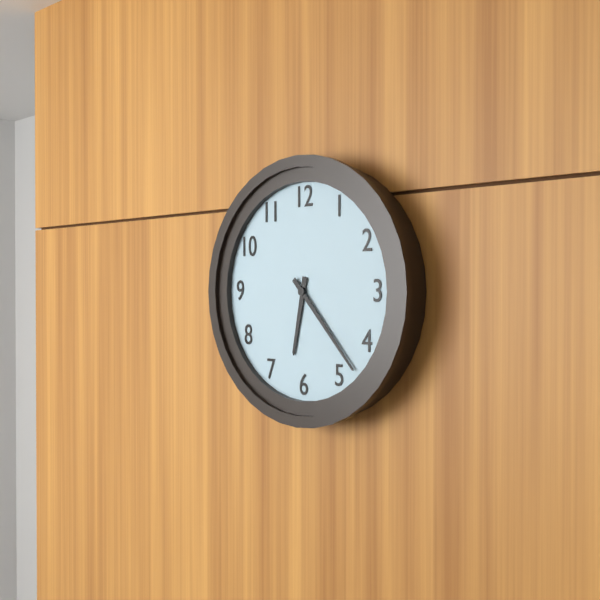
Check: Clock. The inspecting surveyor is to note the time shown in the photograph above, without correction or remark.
6:23
